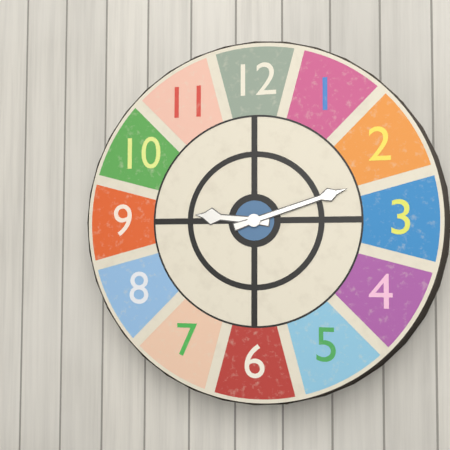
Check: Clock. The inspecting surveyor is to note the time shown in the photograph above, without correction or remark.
9:12
